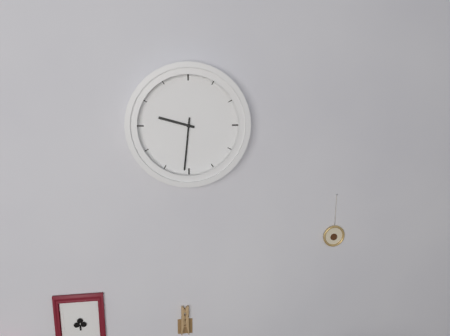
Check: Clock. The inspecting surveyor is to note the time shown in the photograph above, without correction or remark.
9:31
